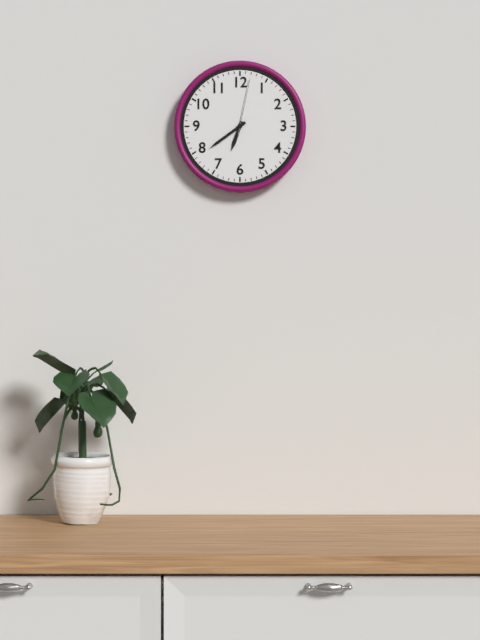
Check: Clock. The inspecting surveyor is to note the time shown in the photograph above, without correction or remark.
6:39:02
